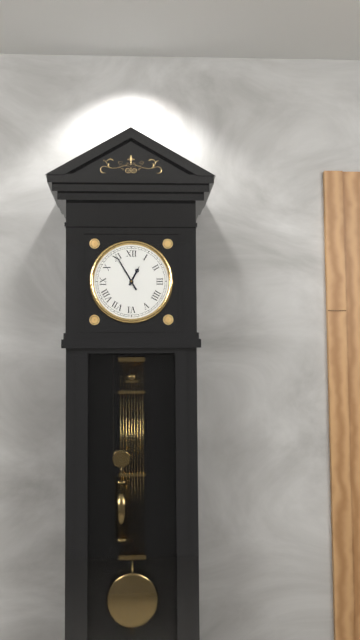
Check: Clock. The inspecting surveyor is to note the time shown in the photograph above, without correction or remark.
12:55
